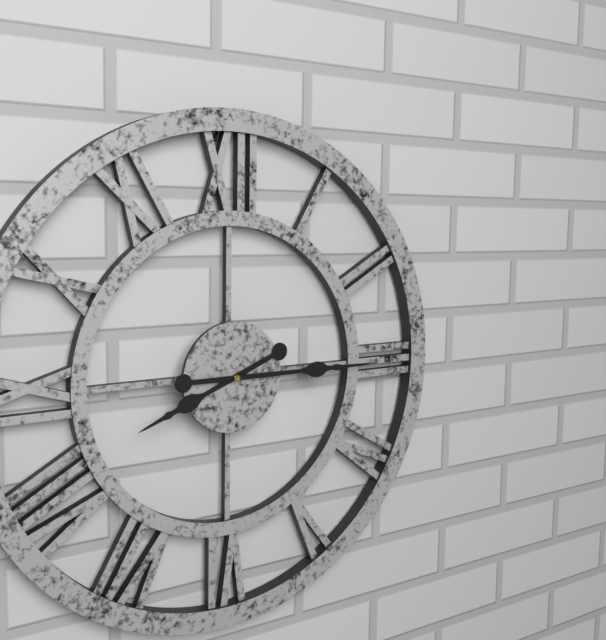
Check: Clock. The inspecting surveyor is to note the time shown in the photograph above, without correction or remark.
8:15
